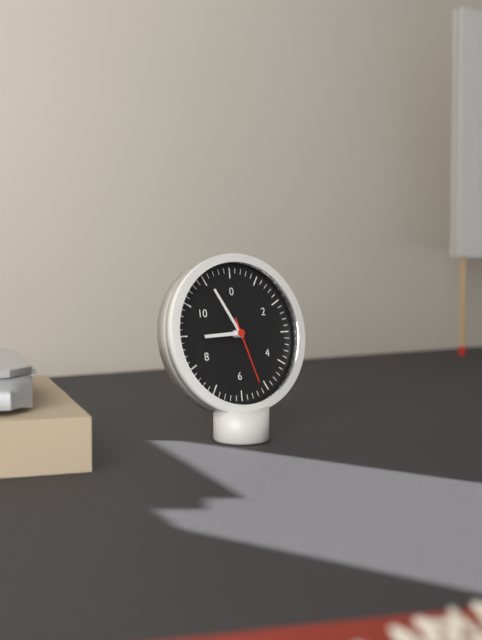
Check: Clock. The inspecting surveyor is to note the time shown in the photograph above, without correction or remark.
8:55:27
